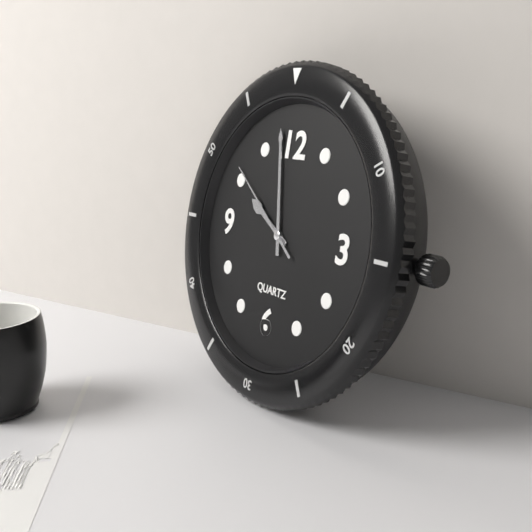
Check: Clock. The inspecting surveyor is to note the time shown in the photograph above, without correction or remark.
9:58:51
